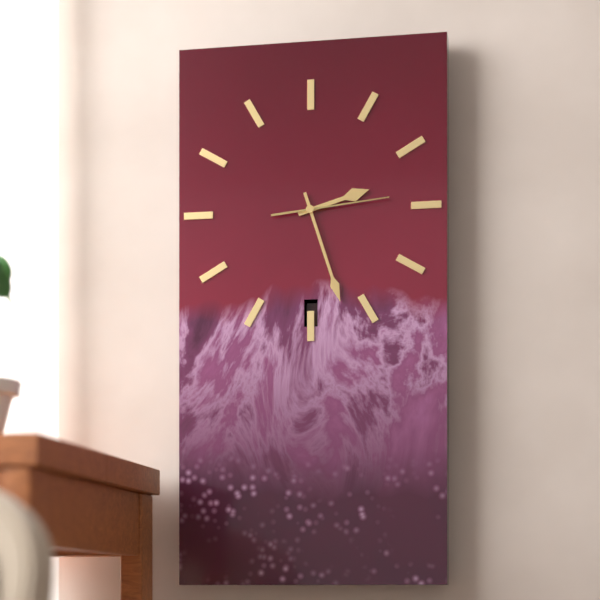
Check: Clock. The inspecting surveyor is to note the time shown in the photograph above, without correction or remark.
2:27:14
